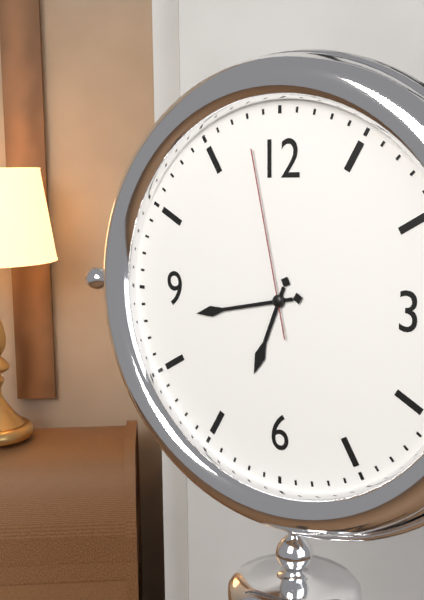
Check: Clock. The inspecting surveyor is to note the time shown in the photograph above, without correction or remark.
6:43:58
